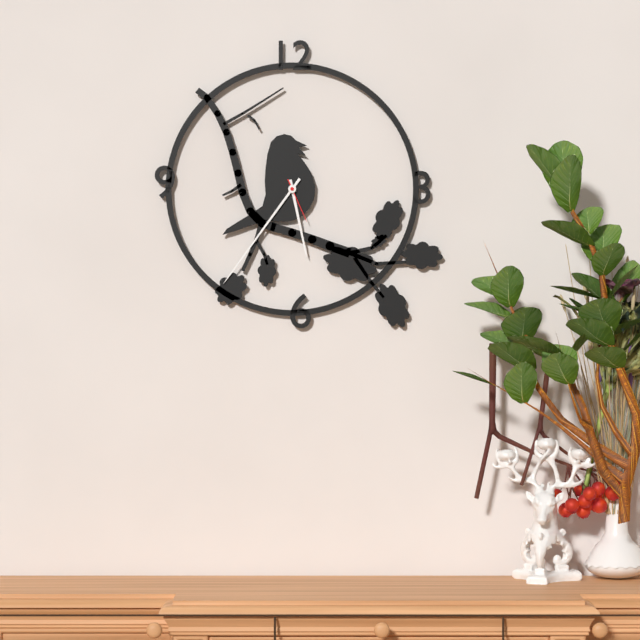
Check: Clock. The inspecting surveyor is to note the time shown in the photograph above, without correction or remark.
5:36
